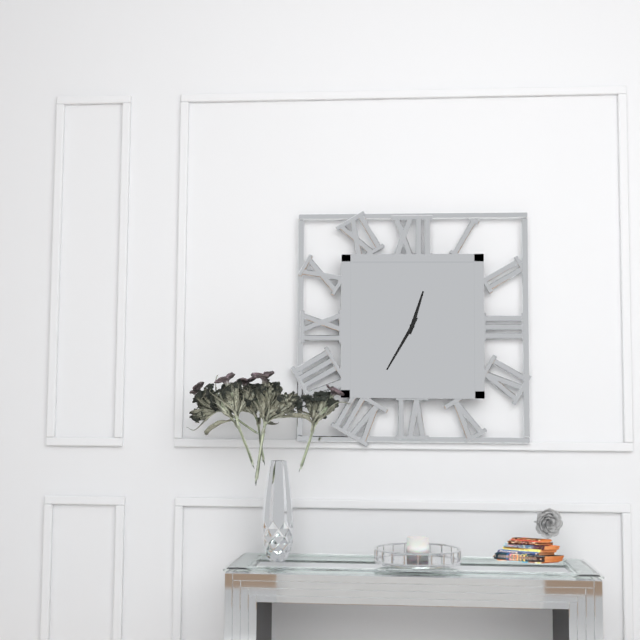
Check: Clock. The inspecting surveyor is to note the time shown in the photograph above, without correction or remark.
12:35
